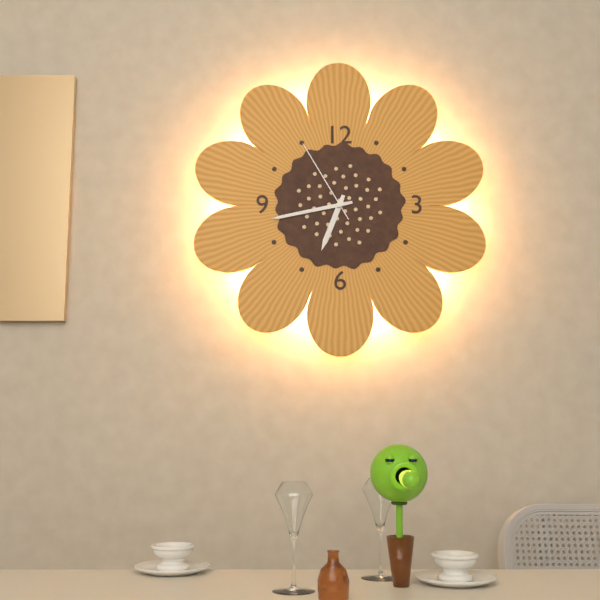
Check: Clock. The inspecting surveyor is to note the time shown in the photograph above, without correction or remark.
6:43:55
